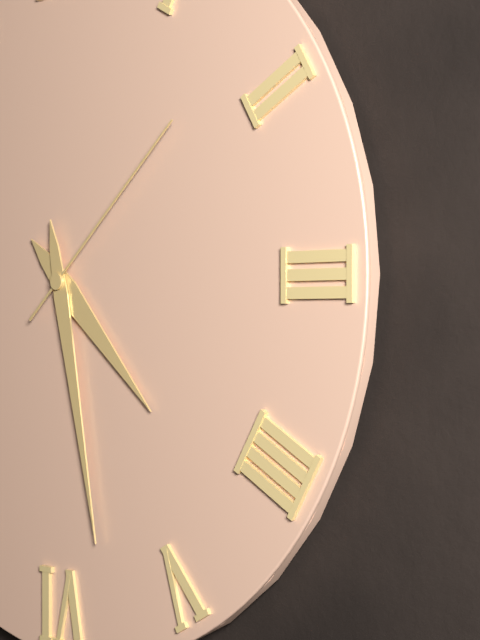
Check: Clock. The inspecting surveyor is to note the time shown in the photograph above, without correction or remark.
4:28:08
